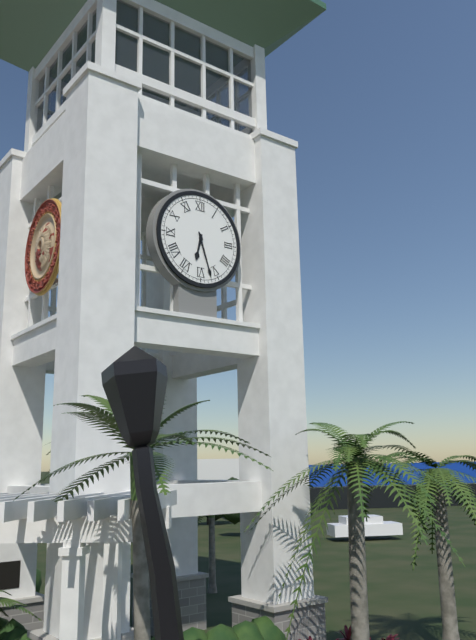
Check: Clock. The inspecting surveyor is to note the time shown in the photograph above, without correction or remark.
6:27
